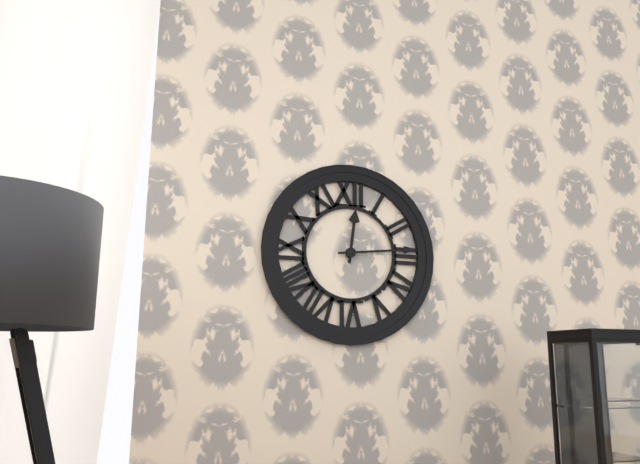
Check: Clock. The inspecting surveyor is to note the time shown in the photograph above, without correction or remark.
12:14
